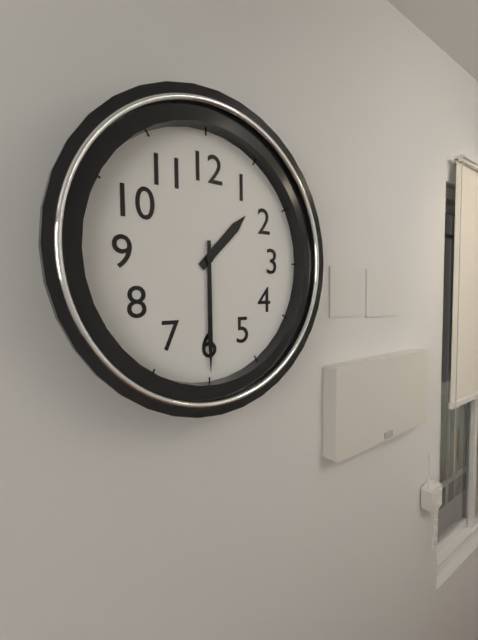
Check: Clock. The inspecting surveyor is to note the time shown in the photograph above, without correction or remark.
1:30
